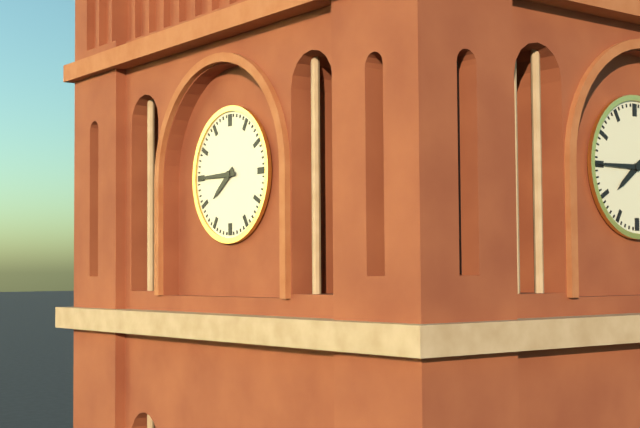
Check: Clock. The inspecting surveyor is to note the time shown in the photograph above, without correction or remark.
7:45
